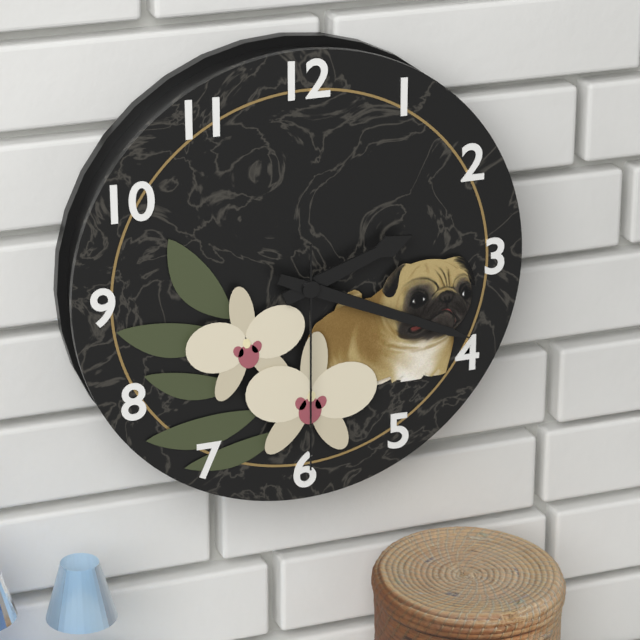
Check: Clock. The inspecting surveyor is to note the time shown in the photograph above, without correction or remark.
2:19:30
